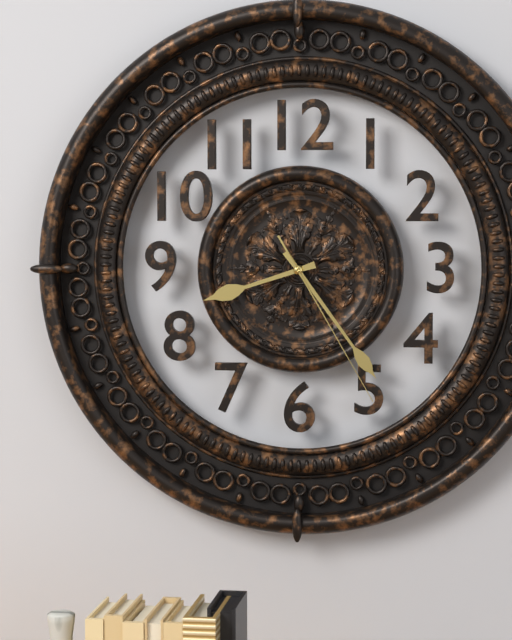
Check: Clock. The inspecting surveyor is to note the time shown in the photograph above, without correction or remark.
8:24:25
